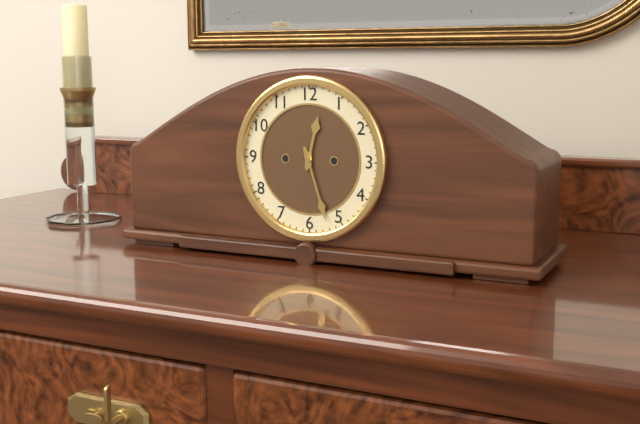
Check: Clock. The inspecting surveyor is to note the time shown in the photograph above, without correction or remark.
12:27
